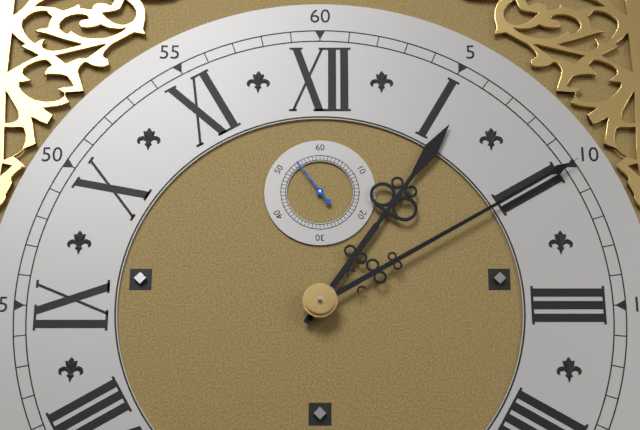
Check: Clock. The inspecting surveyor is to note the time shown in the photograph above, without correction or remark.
1:10:54
